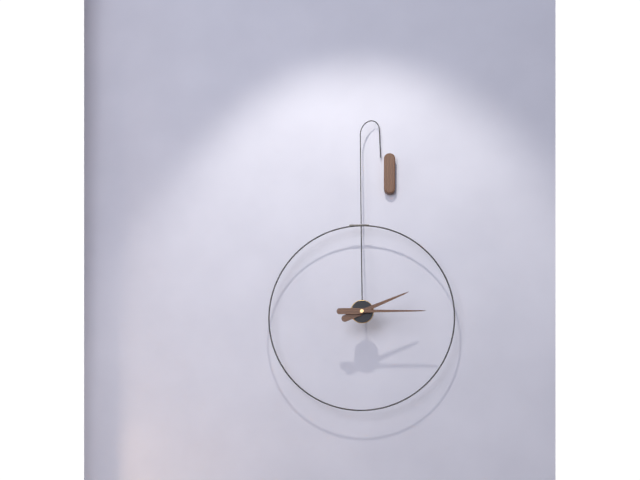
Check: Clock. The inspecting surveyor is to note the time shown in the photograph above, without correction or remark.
2:15
